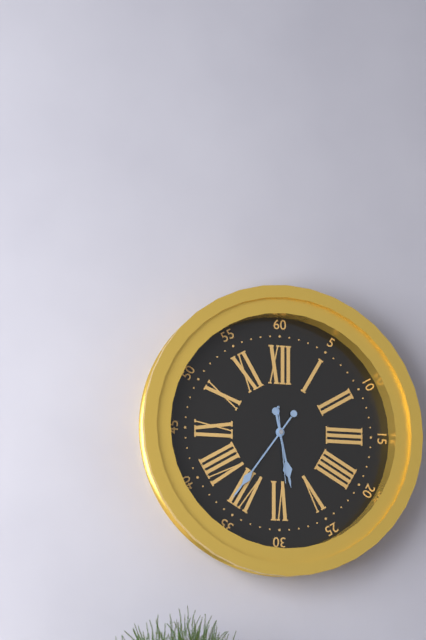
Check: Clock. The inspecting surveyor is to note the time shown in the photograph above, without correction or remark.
5:36:29
